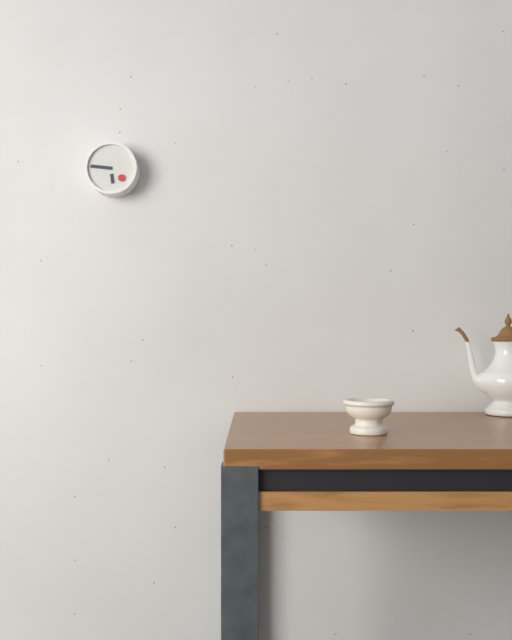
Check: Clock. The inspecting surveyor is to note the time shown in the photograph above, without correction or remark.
5:46
